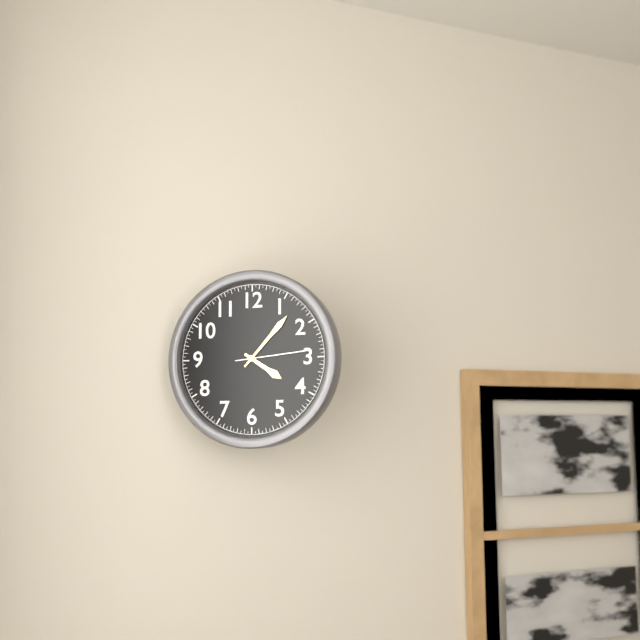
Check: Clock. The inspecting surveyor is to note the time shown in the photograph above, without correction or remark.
4:07:14
